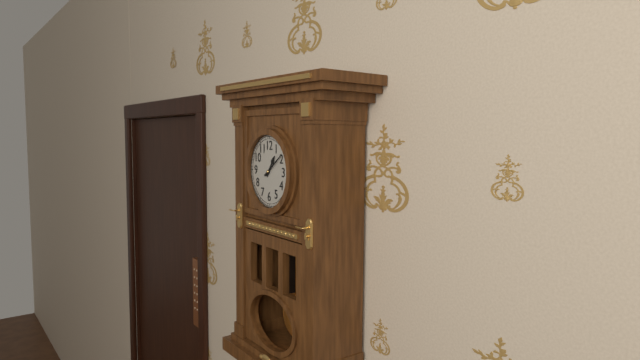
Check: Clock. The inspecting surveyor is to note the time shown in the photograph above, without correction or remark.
1:09
